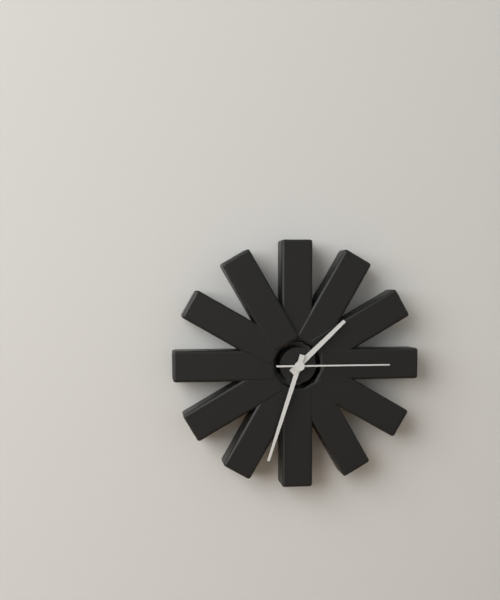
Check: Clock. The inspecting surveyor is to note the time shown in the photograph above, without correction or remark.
1:33:15
